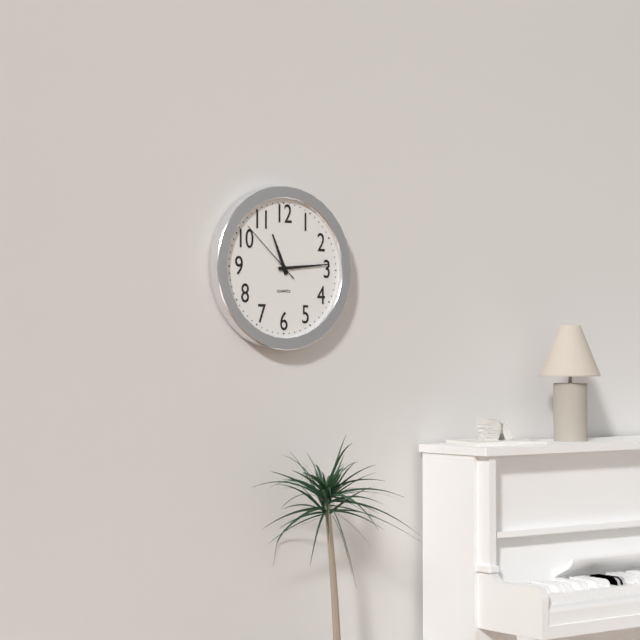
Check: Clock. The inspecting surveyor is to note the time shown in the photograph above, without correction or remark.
11:14:52
